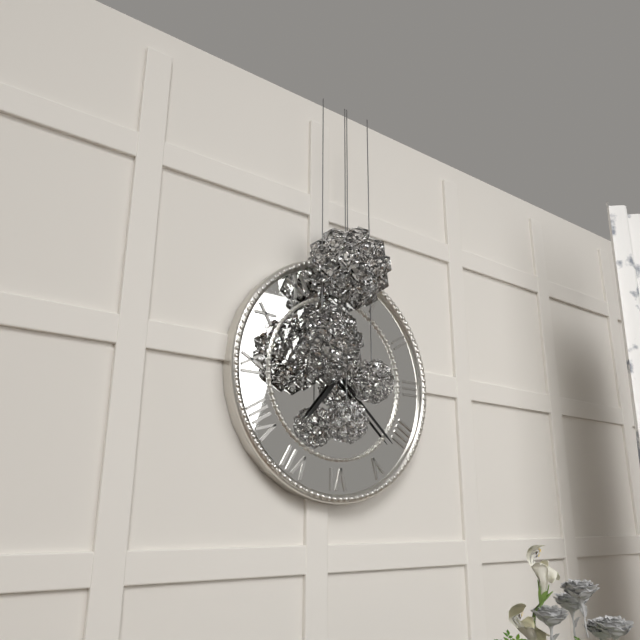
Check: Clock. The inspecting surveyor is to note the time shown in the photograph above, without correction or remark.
7:22
